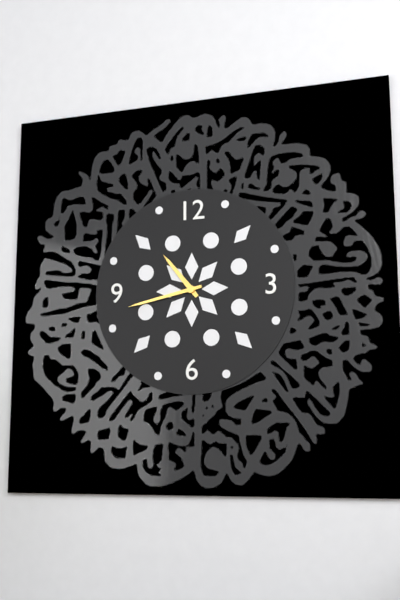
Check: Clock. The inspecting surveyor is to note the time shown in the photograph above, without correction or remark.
10:43
